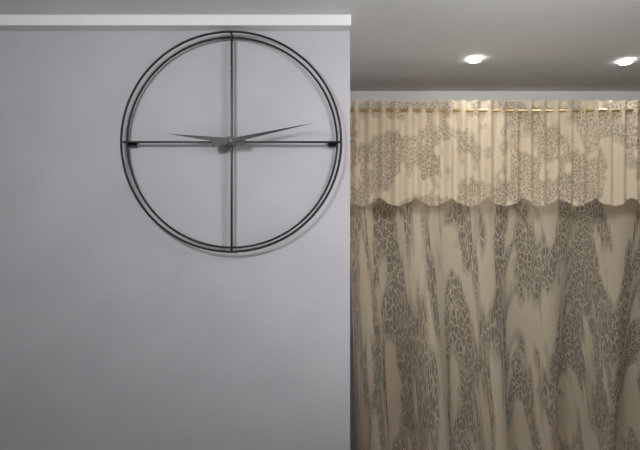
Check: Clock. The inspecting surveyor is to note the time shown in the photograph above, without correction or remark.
9:13
